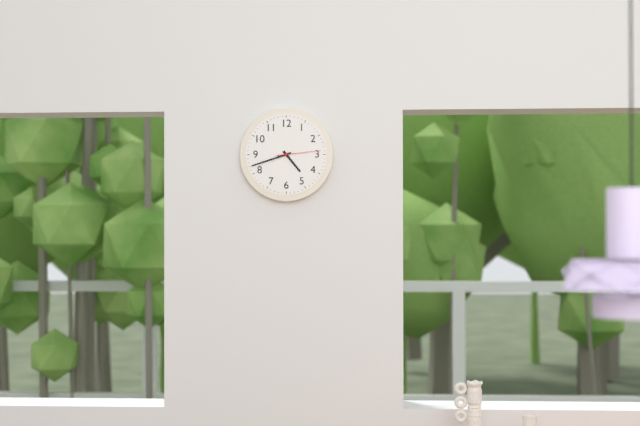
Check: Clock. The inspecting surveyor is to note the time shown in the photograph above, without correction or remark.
4:42
